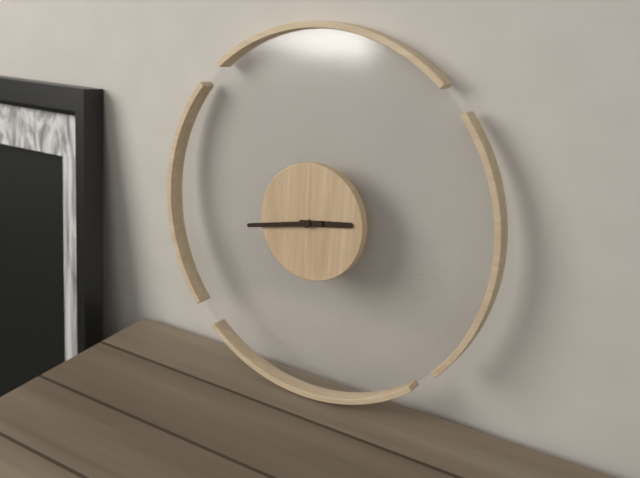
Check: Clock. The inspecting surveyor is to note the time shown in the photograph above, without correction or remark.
2:43
